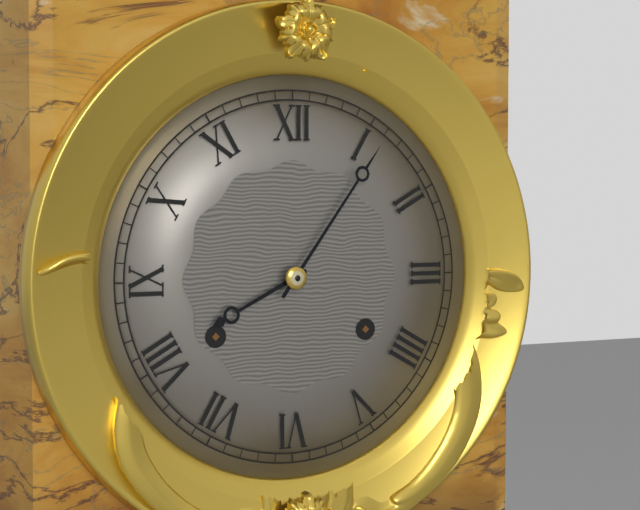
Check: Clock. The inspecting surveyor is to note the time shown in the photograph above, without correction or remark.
8:06
